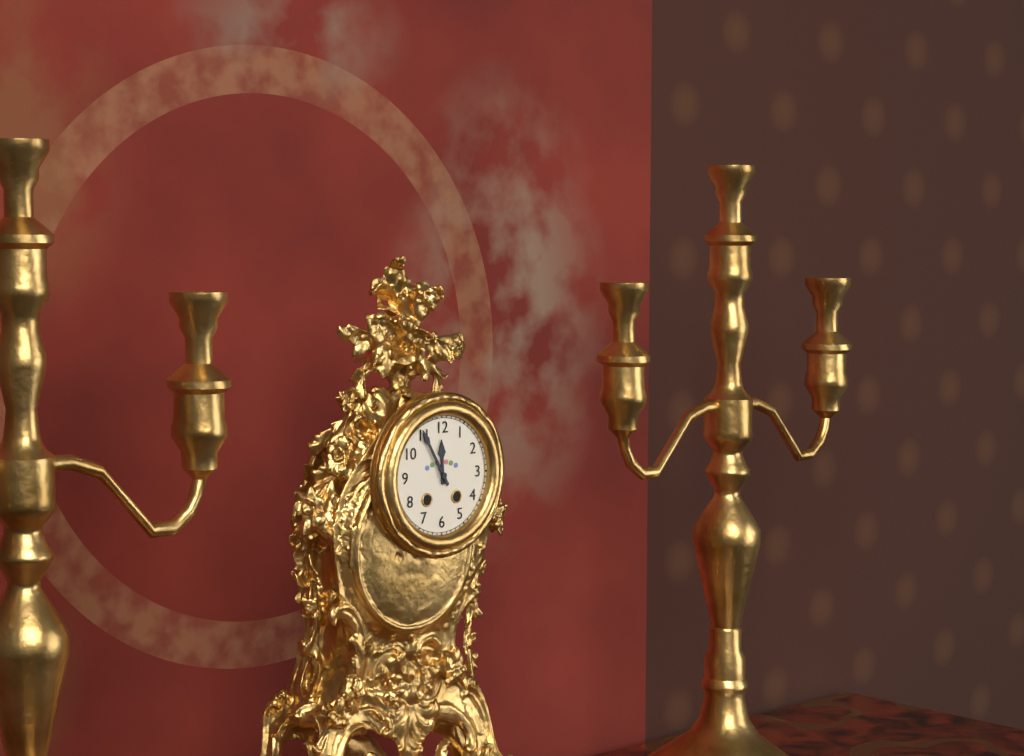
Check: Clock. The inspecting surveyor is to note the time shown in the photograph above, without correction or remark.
11:55
